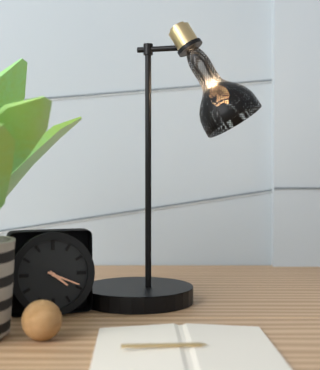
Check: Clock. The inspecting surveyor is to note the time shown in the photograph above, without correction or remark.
4:19
